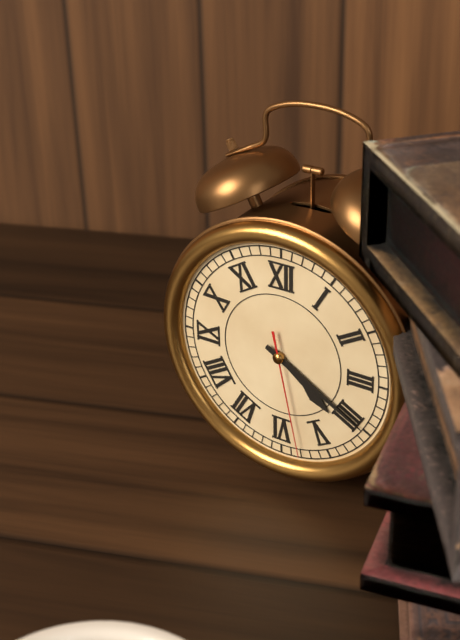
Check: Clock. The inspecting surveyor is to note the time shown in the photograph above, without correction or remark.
4:20:28
